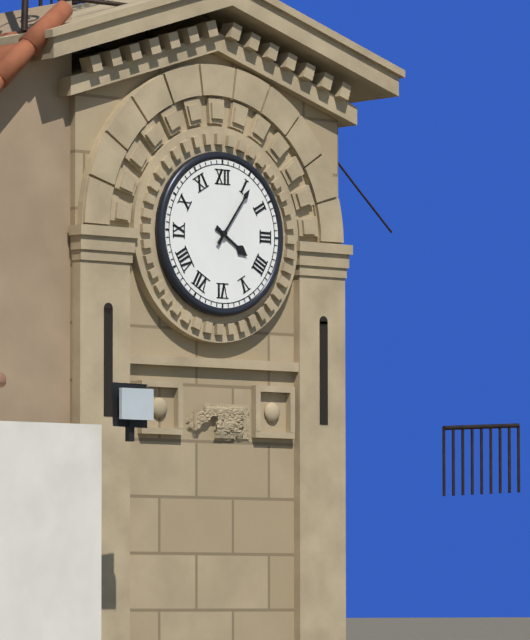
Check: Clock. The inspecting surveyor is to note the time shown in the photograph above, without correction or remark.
4:06
